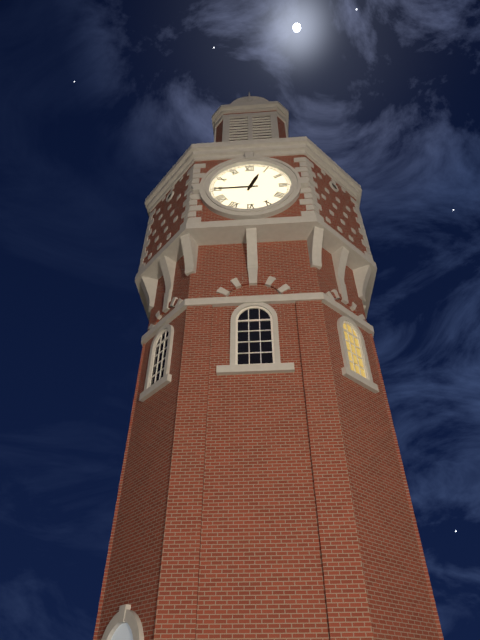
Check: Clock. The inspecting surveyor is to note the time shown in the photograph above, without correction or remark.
12:45
